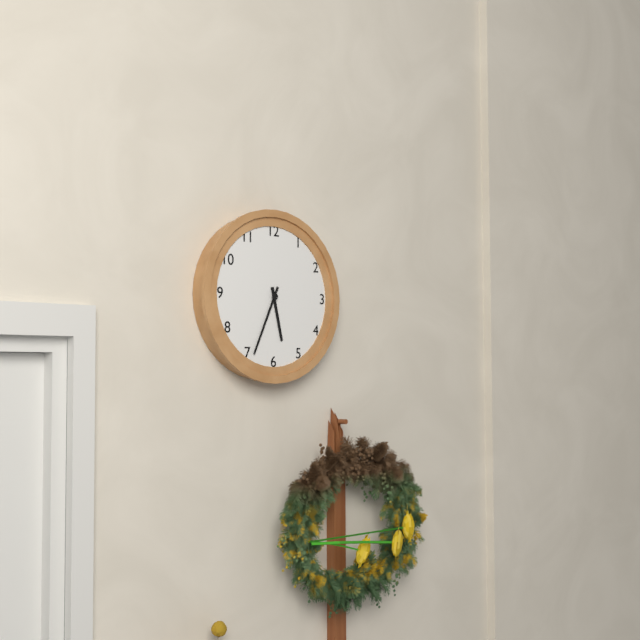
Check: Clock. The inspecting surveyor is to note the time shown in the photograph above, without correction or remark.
5:34
